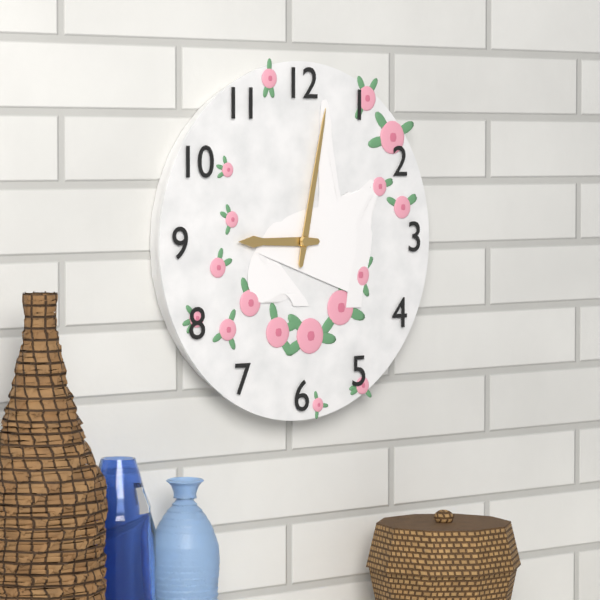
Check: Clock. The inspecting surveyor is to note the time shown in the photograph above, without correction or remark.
9:02
